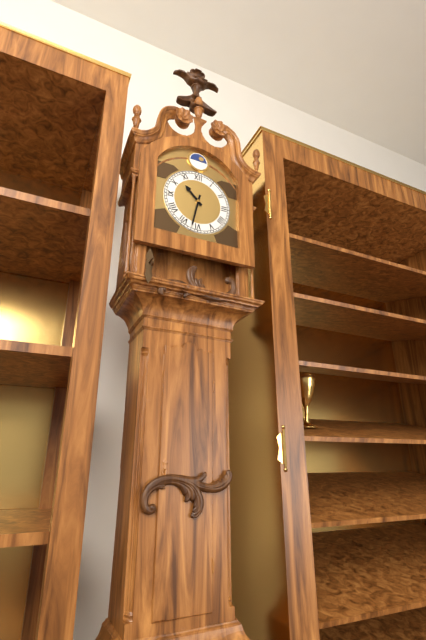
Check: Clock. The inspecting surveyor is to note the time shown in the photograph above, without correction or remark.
10:32
